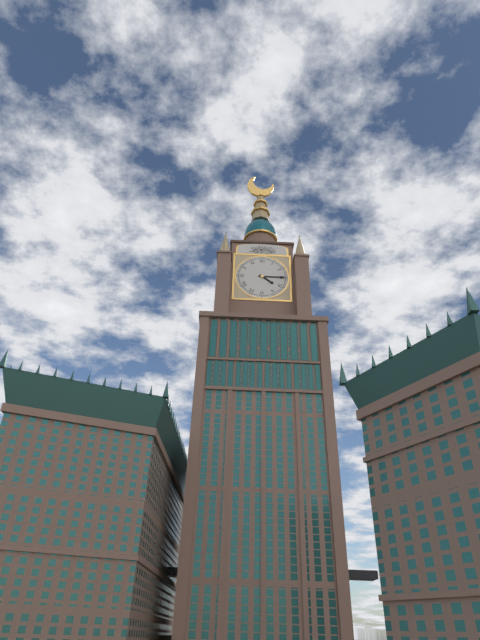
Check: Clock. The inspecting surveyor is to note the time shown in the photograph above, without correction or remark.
4:15
